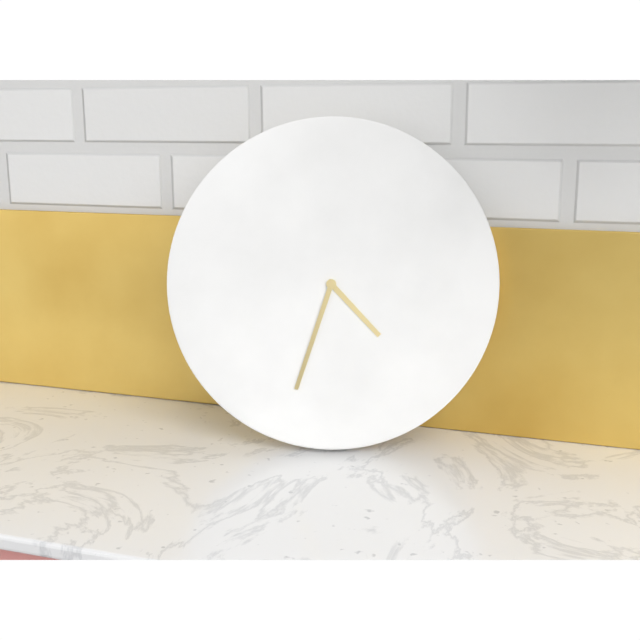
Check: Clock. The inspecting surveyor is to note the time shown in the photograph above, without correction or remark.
4:33
